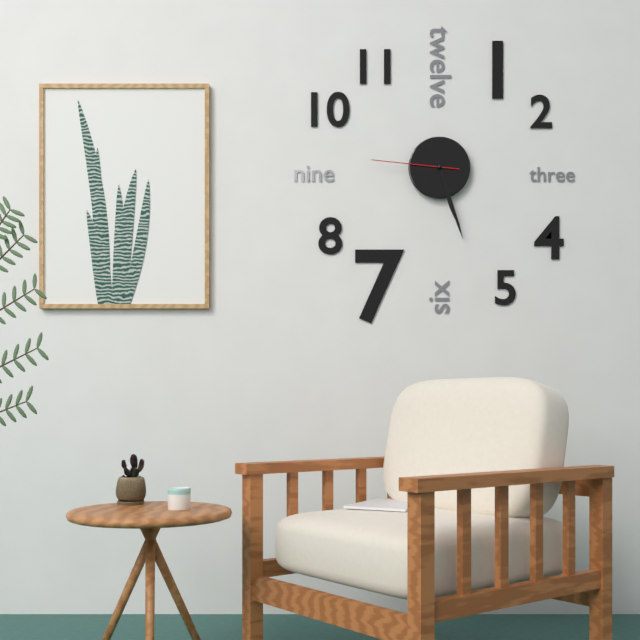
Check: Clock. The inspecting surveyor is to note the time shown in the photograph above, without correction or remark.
5:27:46
